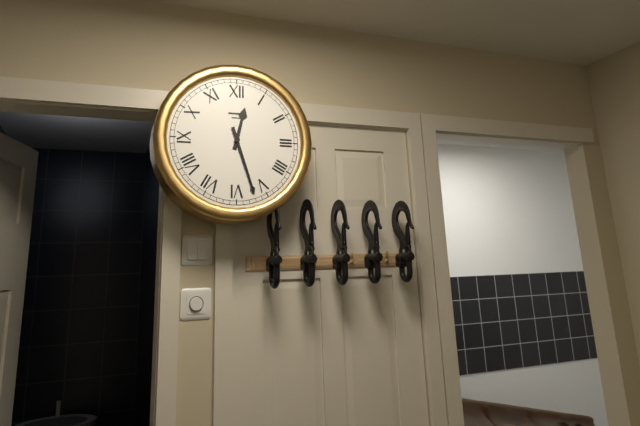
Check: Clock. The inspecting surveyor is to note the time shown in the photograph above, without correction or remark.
12:27
